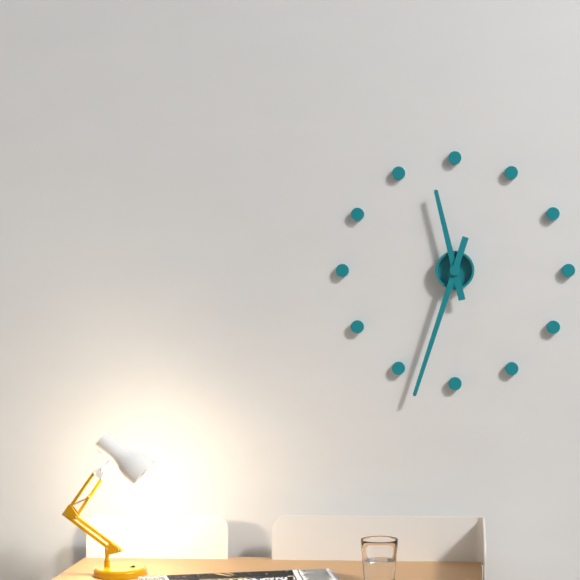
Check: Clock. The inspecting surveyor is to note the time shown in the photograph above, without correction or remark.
11:33
